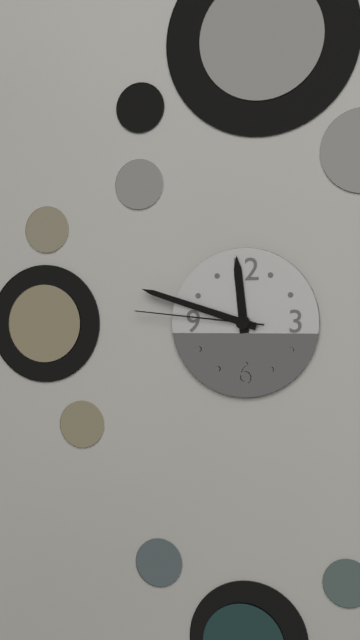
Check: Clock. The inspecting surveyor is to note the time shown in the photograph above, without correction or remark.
11:48:46
